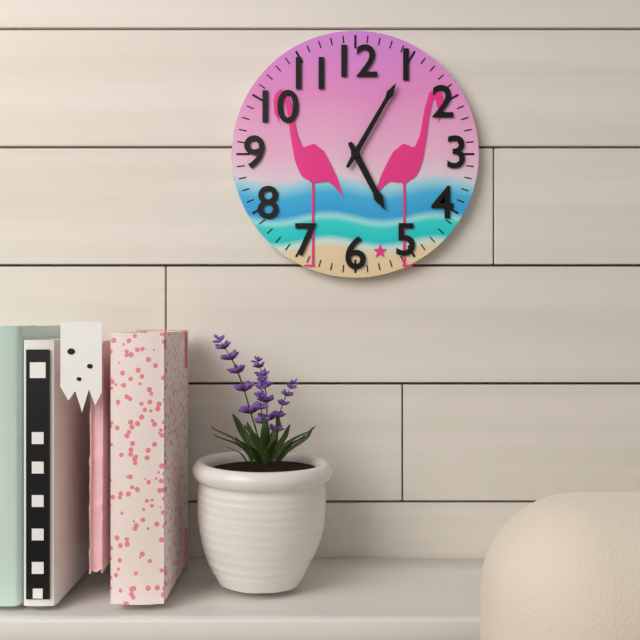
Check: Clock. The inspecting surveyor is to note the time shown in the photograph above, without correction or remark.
5:05
